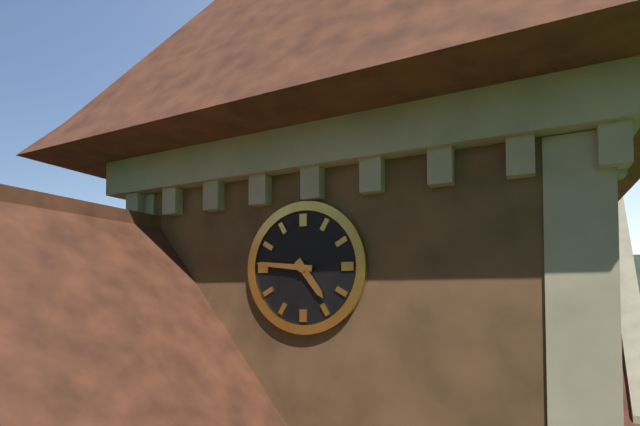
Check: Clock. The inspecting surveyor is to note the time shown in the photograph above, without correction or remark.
4:46
